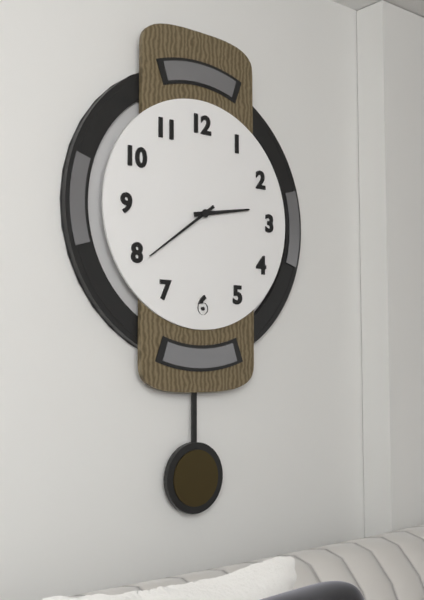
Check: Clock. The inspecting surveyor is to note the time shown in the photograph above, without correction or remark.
2:39
